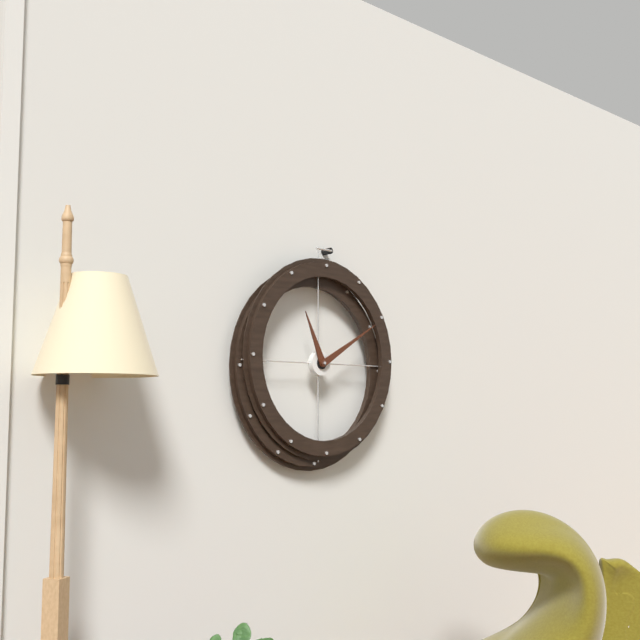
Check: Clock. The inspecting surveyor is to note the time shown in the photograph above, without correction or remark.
11:10
